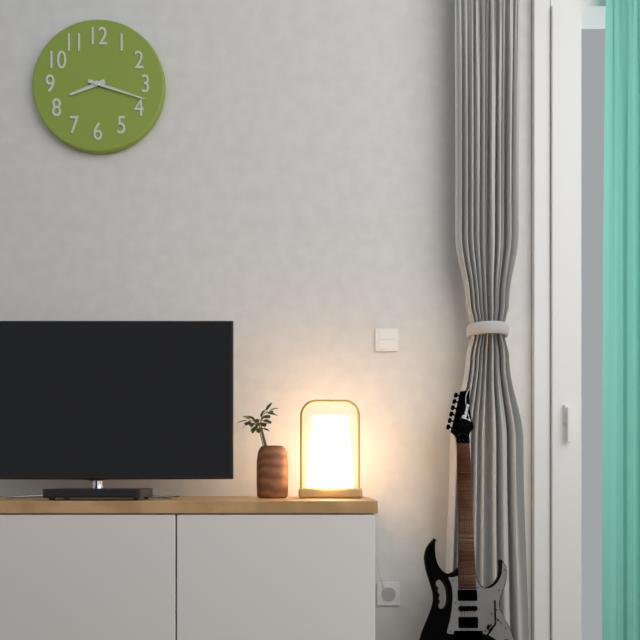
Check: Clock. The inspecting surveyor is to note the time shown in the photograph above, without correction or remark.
8:18
